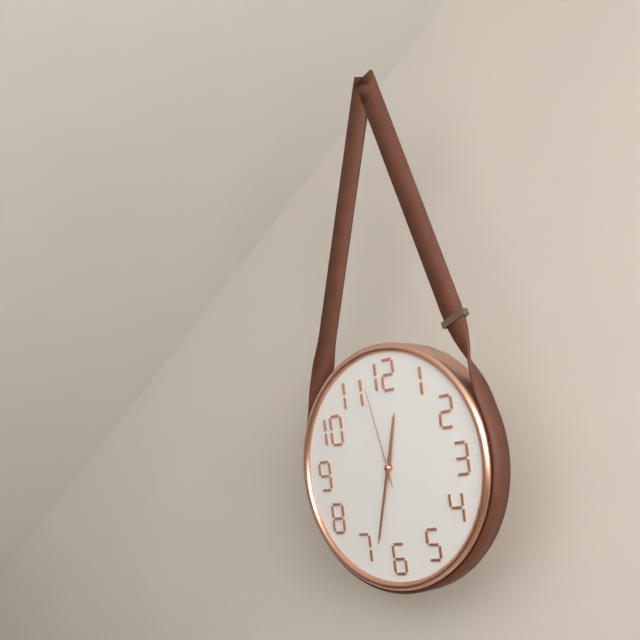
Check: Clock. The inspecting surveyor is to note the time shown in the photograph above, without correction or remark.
12:33:58
